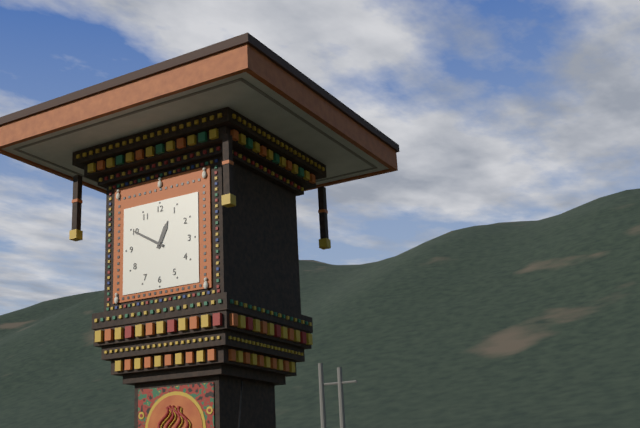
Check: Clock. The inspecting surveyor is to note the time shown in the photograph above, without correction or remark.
12:50
